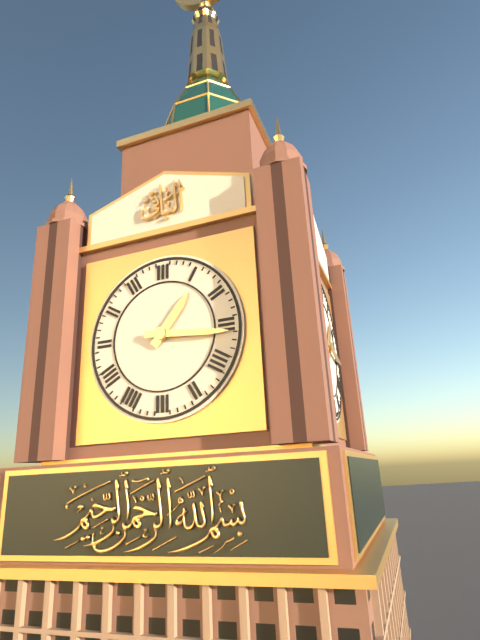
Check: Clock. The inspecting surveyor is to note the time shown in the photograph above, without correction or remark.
1:16
